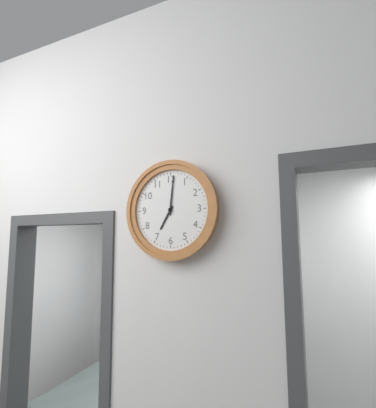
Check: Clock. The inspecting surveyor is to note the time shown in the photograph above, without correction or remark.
7:01
